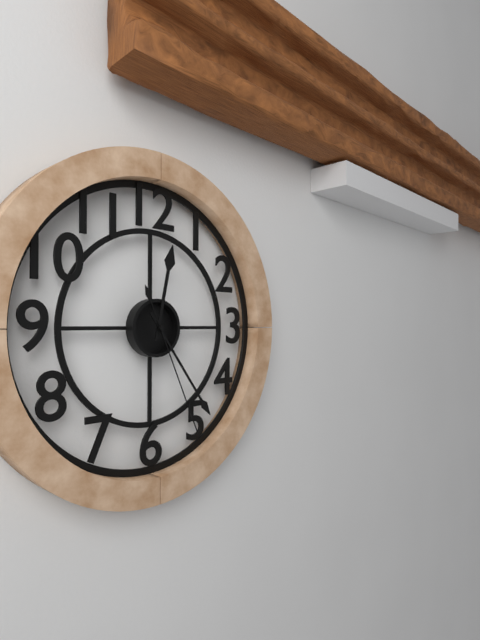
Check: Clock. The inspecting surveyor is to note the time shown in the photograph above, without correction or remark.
12:24:26
